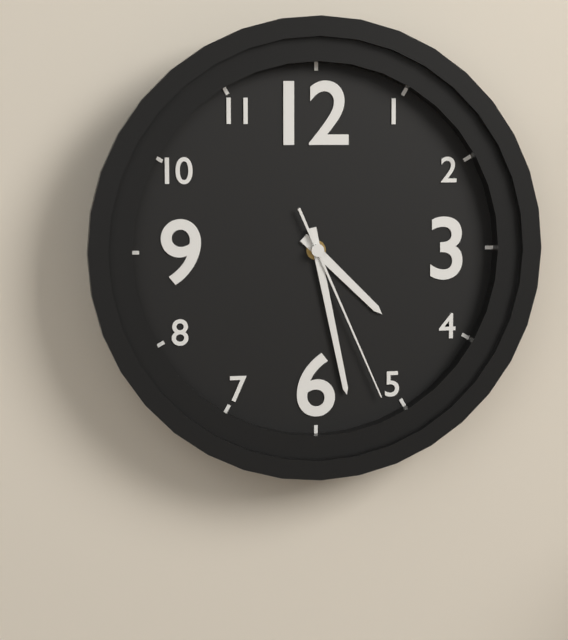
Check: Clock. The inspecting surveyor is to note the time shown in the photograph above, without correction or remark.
4:28:26
